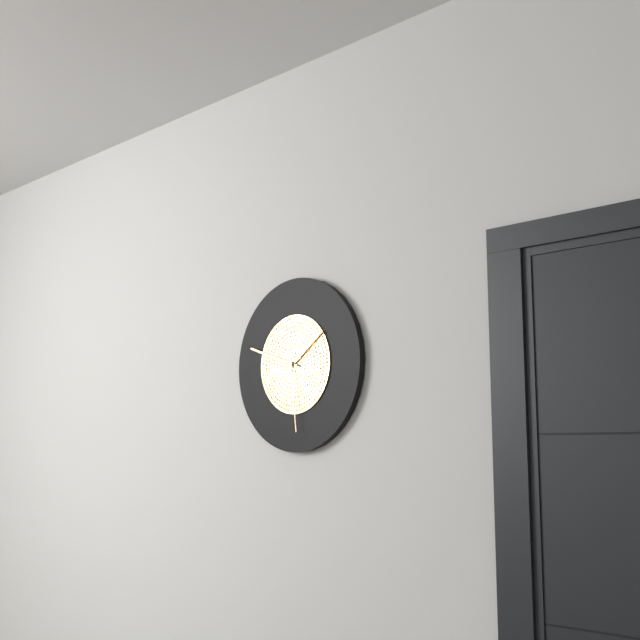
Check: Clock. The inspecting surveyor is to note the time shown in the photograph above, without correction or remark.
1:48:29
